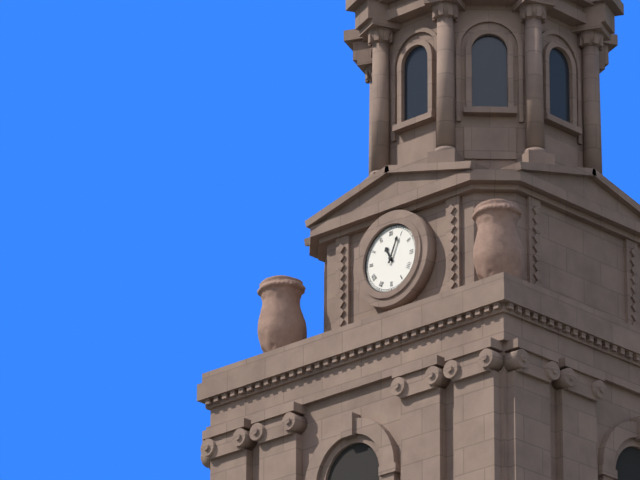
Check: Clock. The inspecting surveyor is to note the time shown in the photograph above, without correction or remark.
11:04
